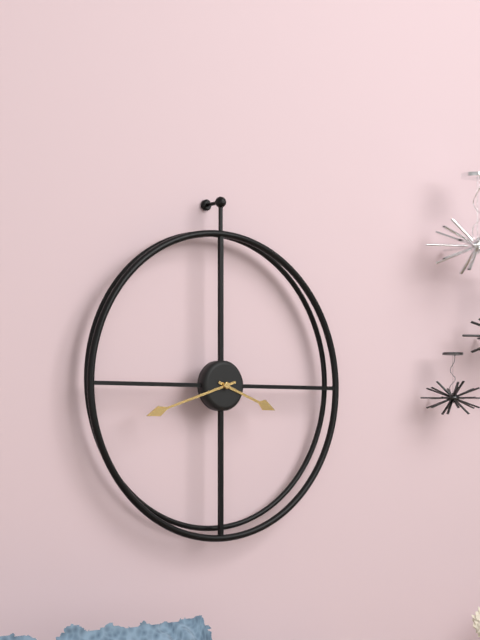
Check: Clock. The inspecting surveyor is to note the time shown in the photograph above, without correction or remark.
3:42
